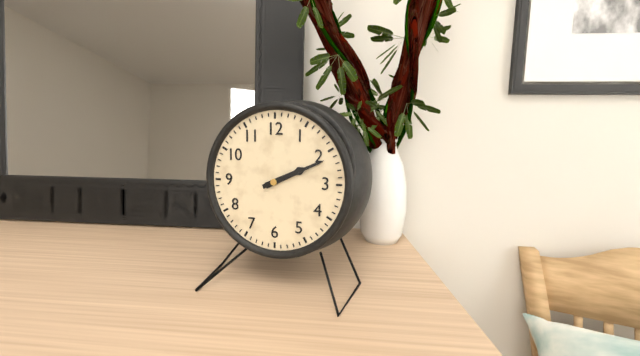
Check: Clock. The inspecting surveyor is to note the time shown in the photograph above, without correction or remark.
2:11
